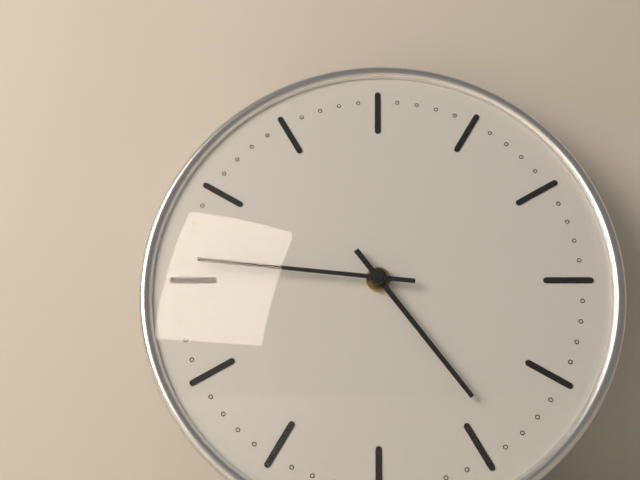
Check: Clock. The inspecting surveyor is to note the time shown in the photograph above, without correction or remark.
4:46
